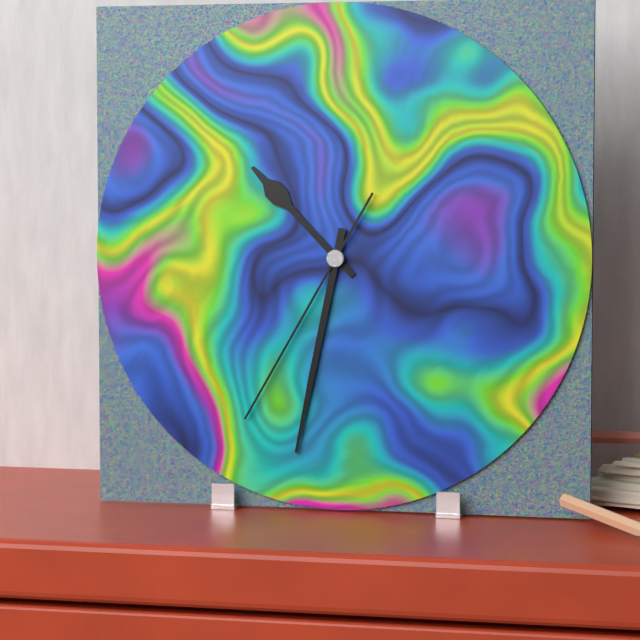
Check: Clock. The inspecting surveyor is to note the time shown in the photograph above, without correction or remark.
10:32:35
